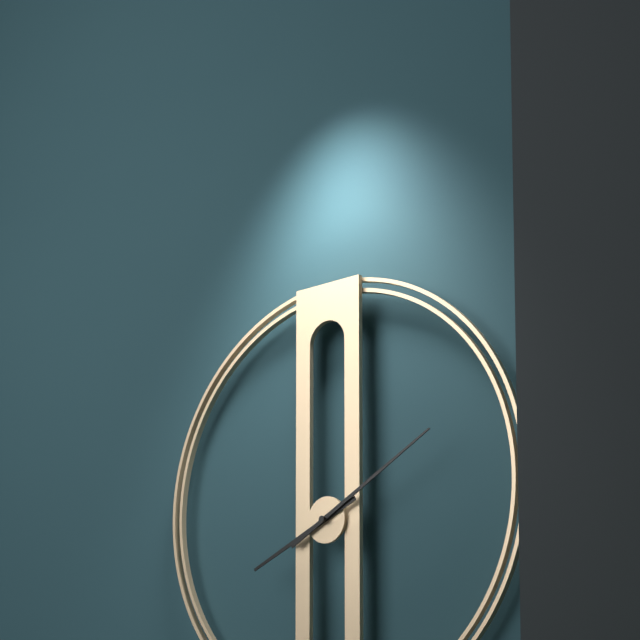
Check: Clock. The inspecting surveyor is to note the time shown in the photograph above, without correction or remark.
8:10
